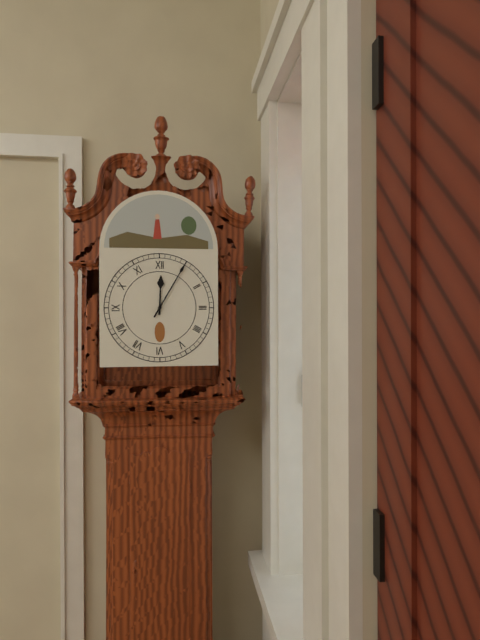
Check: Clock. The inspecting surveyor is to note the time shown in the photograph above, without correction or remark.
12:05
